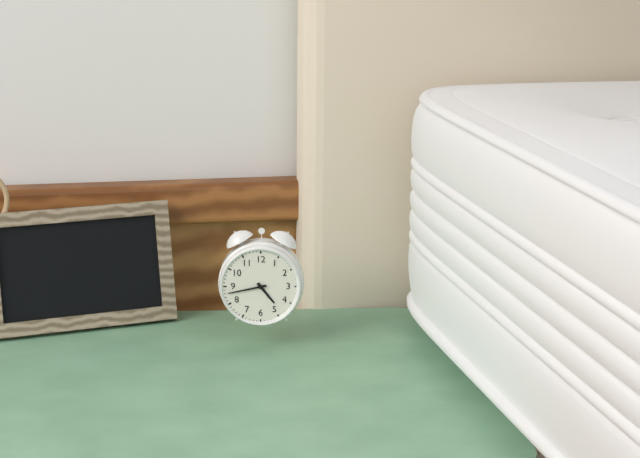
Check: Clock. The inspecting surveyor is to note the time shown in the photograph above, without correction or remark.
4:43
